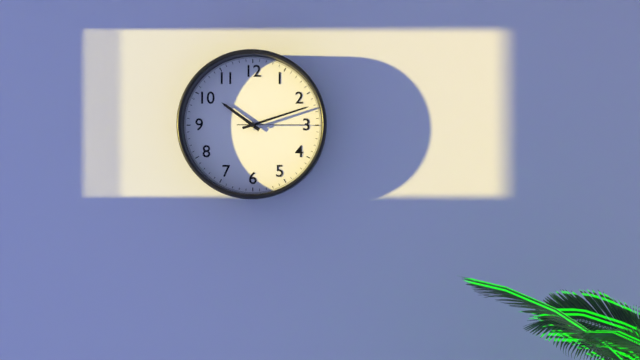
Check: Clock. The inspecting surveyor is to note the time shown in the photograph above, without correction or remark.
10:12:15
